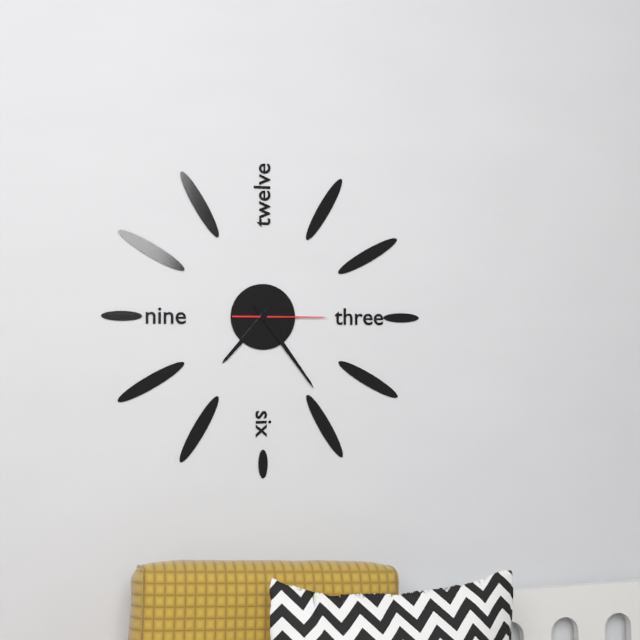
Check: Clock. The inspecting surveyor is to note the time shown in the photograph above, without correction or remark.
7:24:15
